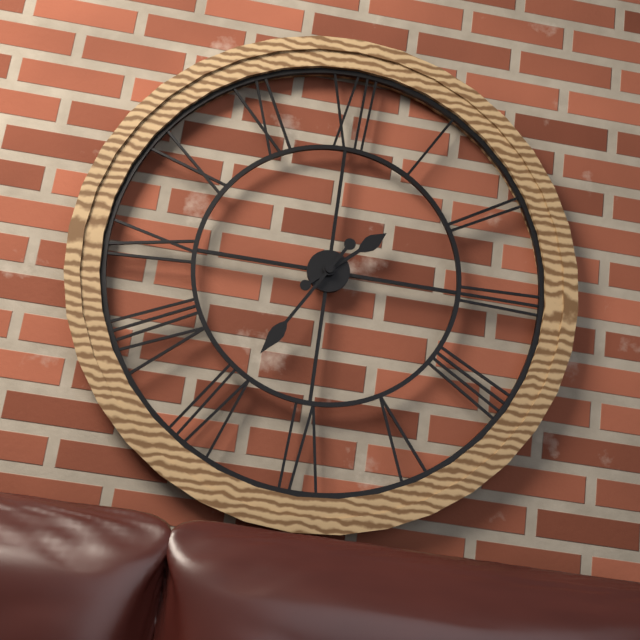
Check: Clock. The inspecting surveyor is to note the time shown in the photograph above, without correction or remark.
1:35
